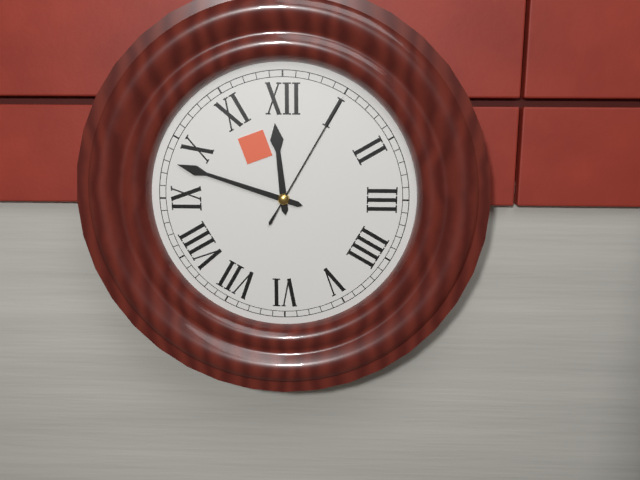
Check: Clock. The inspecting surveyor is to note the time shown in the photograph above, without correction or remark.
11:48:05
